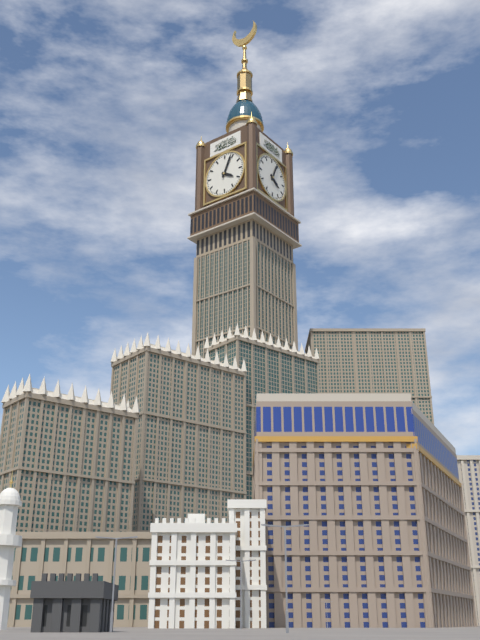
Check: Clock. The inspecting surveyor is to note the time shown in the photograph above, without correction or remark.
4:04
